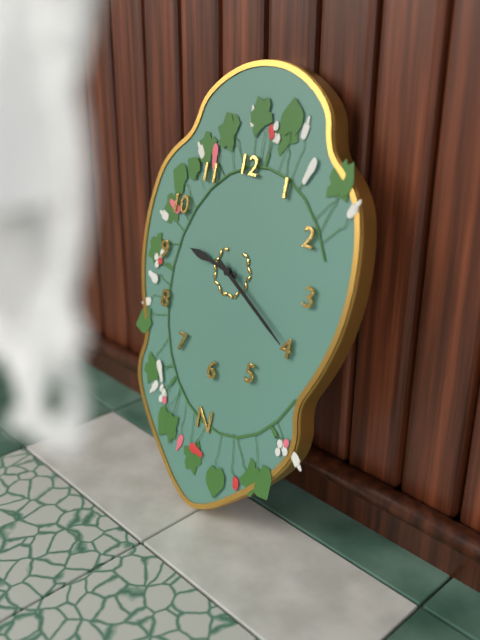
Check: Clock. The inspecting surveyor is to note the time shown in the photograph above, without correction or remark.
9:20
